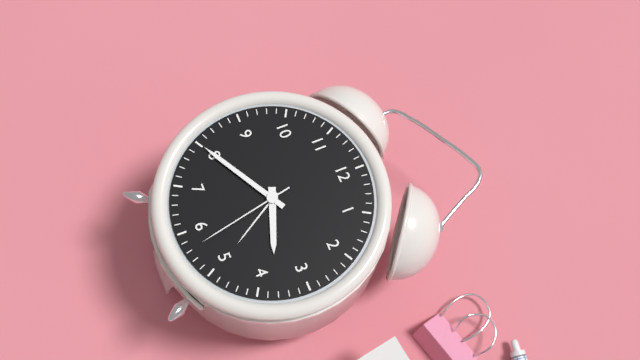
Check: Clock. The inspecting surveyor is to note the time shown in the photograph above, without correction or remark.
3:40:28
